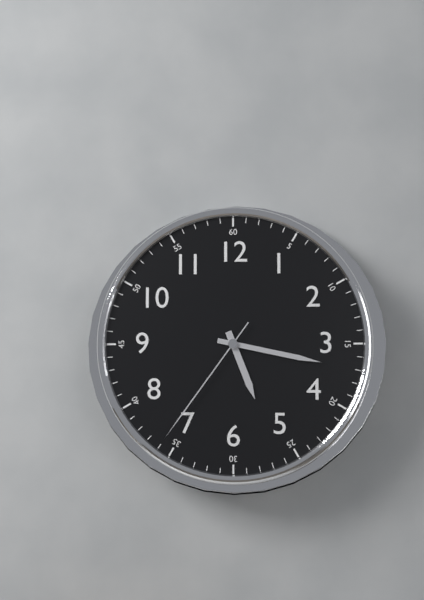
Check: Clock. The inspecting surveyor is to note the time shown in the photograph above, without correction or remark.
5:17:36
